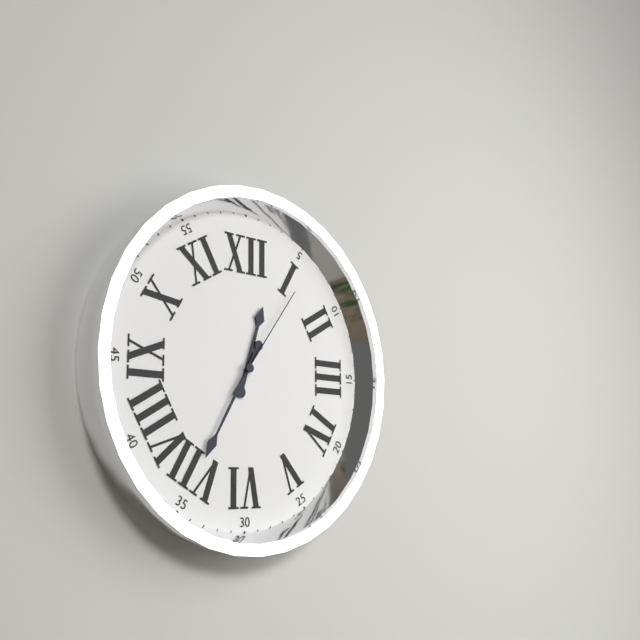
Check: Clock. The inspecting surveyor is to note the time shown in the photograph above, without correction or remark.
12:35:06
